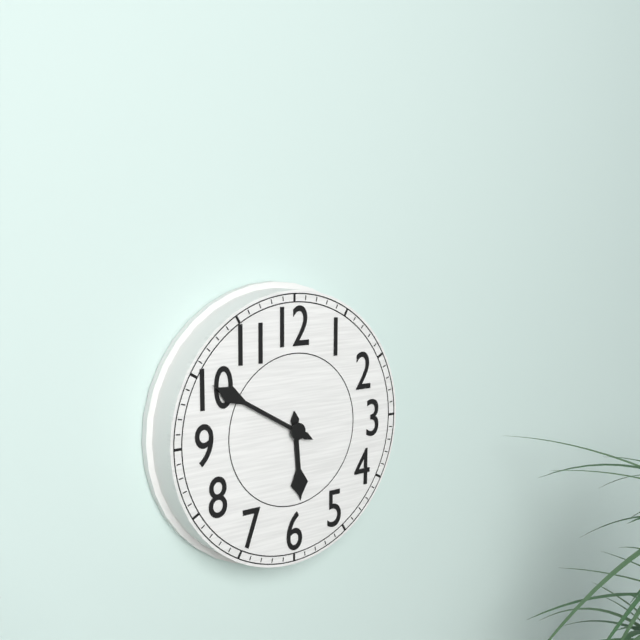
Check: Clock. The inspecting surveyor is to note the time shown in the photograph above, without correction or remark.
5:50
